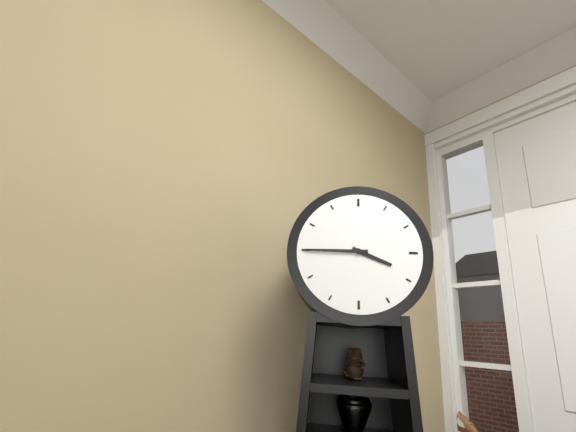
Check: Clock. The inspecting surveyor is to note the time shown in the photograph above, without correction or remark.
3:45
